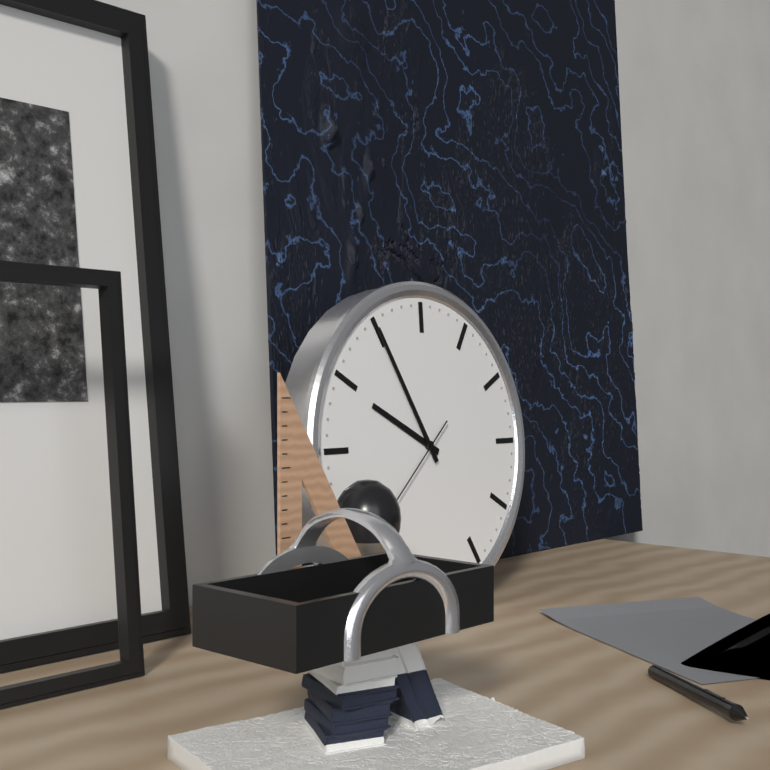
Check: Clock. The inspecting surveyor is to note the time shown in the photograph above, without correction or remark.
9:55
